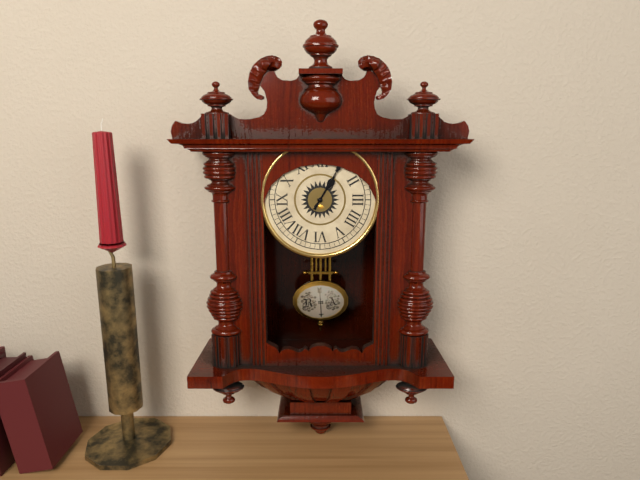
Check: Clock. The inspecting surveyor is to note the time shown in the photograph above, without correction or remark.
1:05
